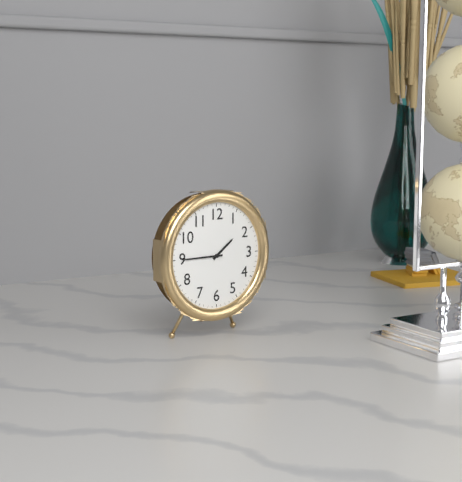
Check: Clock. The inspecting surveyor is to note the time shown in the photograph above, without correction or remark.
1:45
